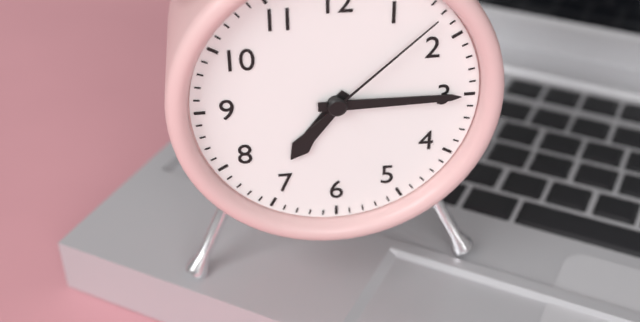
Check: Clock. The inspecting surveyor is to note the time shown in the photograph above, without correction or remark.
7:15:08
